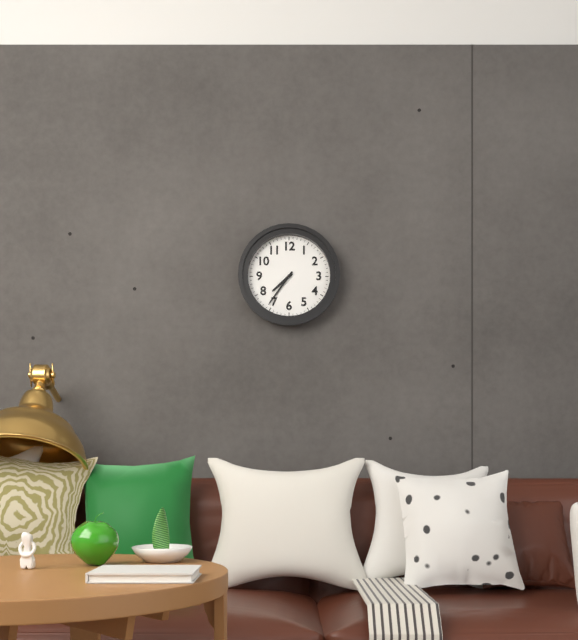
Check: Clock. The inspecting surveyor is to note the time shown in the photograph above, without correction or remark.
7:36
